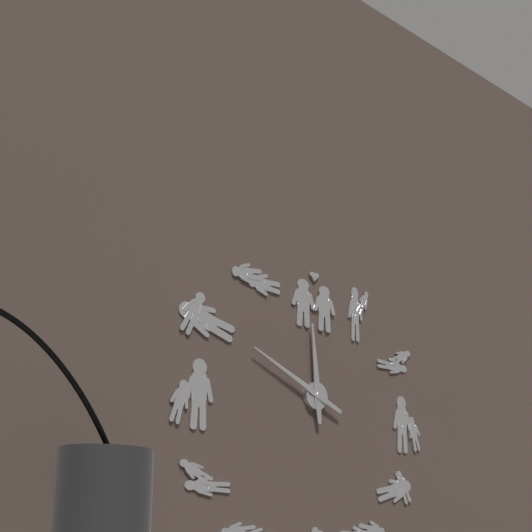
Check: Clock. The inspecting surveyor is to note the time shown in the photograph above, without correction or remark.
11:49
